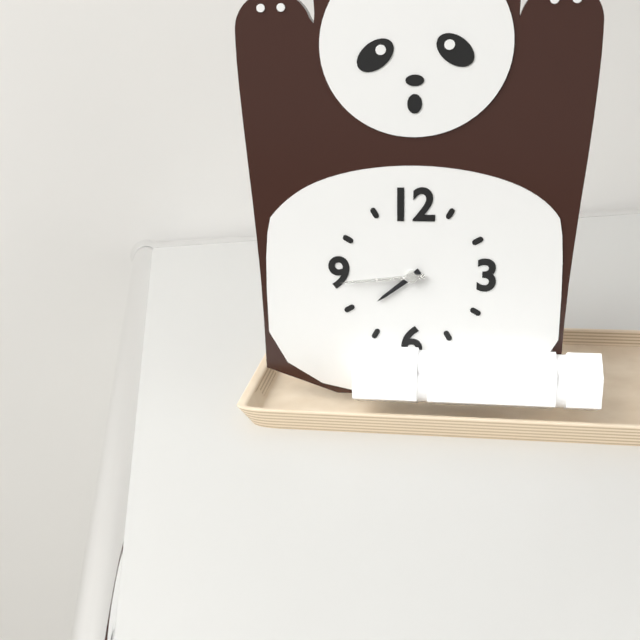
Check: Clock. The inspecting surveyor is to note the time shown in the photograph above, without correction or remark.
7:44
